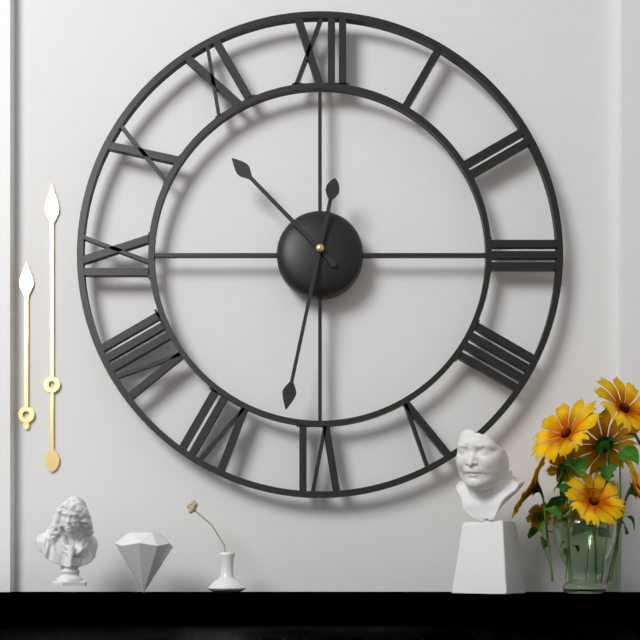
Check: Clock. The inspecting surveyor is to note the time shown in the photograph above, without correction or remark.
10:32
